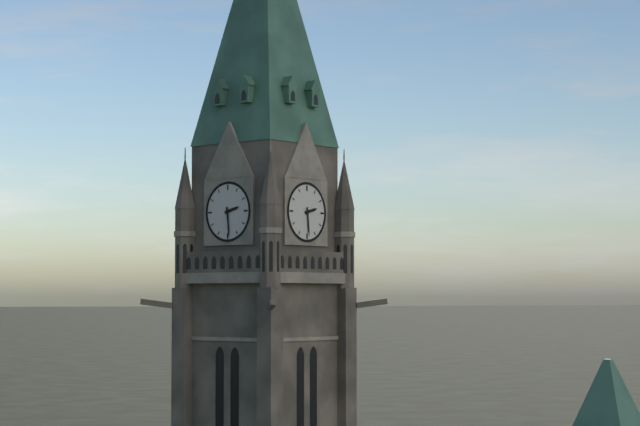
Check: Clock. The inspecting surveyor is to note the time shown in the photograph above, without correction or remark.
2:29
